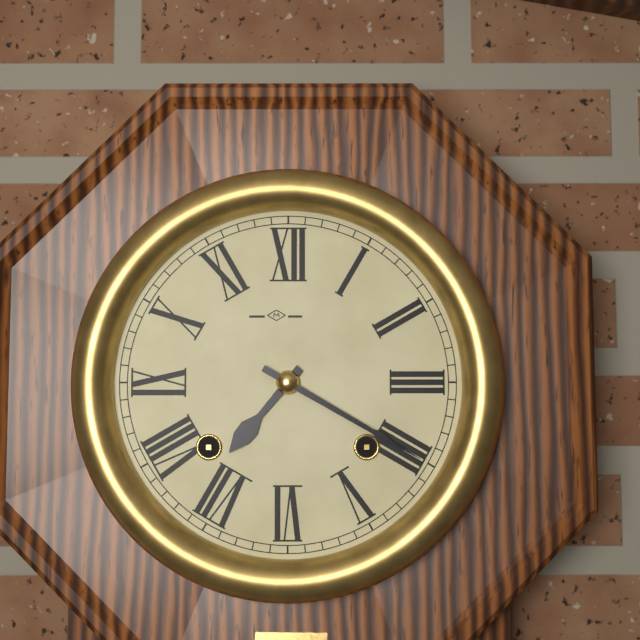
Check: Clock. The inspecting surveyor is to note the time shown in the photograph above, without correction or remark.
7:20
